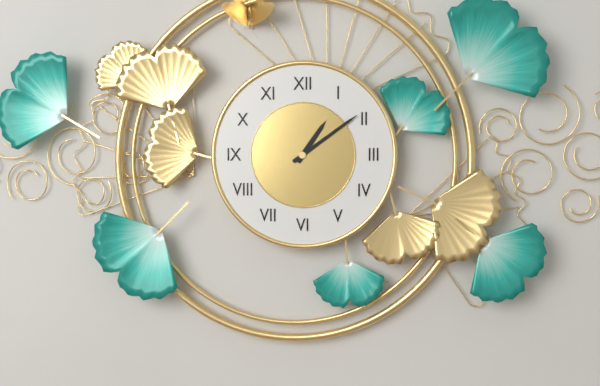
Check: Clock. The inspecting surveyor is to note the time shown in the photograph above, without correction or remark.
1:09
